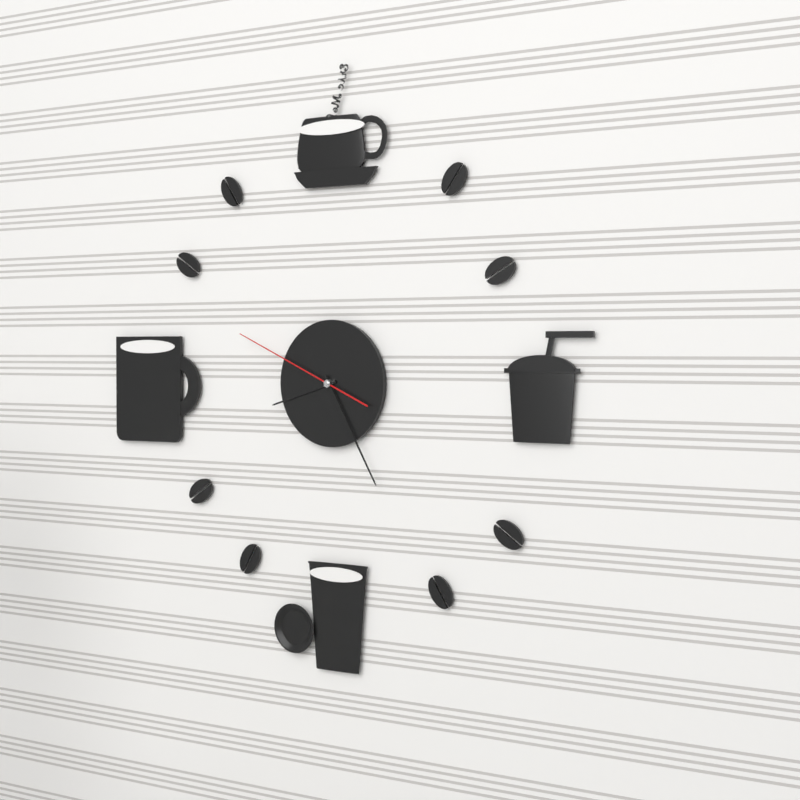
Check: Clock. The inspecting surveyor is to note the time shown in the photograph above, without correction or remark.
8:25:49
